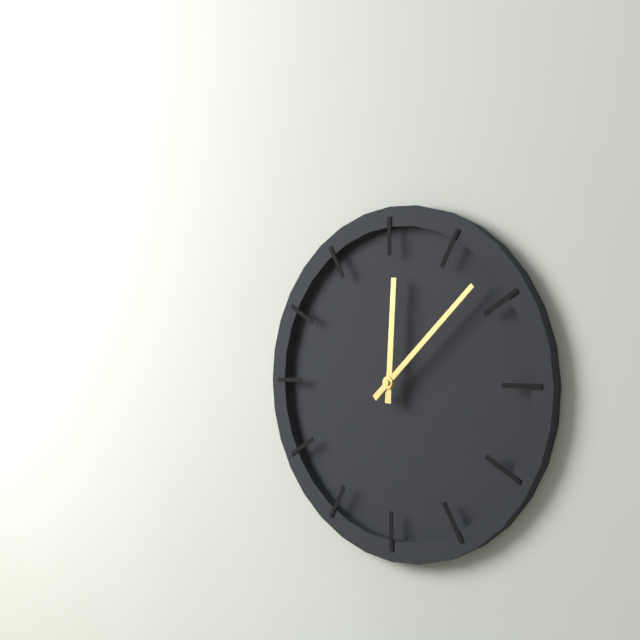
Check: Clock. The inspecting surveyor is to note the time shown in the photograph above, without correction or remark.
12:08
